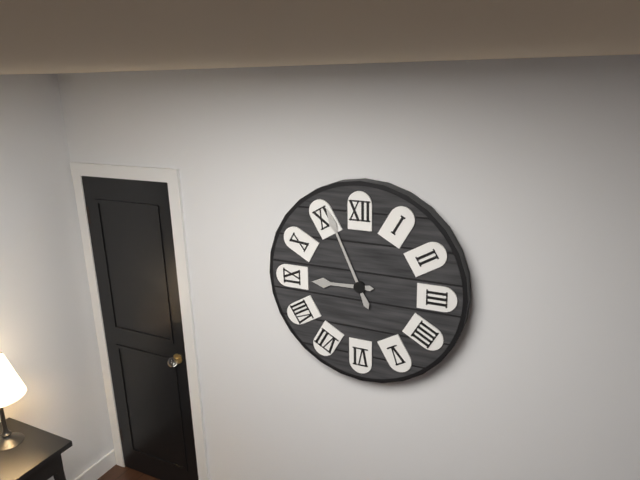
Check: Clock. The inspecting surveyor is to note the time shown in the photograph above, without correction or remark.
8:56
